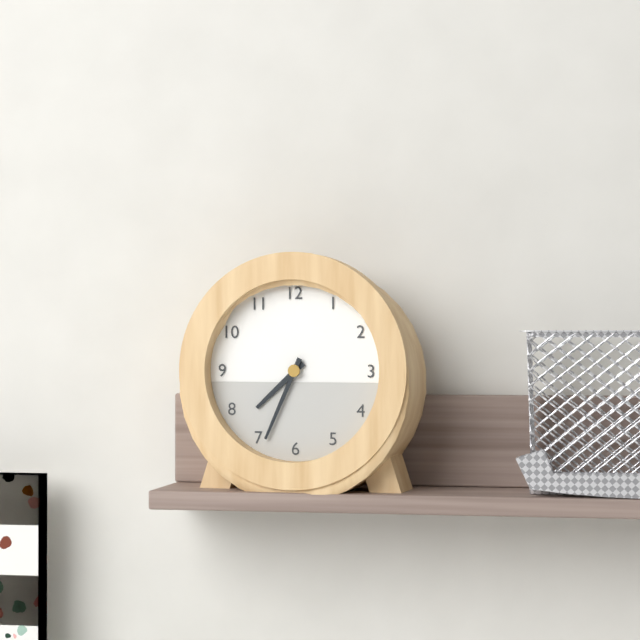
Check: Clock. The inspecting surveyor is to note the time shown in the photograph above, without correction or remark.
7:34
